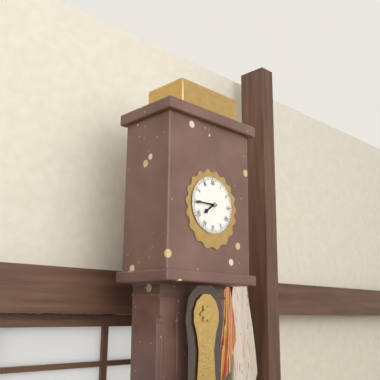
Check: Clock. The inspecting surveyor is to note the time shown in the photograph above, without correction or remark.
7:45
